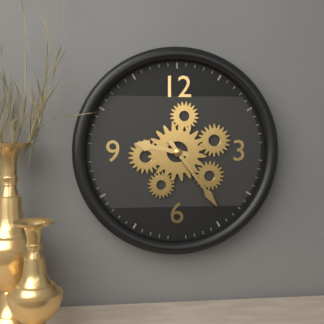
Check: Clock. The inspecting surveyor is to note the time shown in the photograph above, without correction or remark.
9:24
